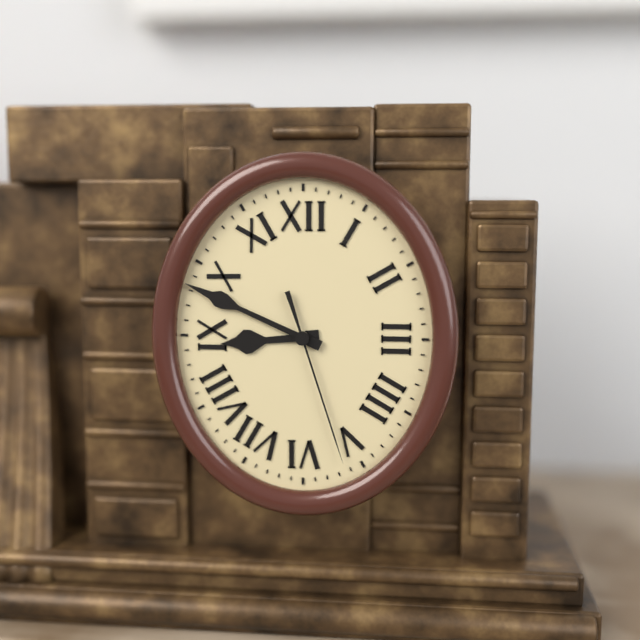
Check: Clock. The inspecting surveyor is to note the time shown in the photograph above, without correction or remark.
8:49:27
